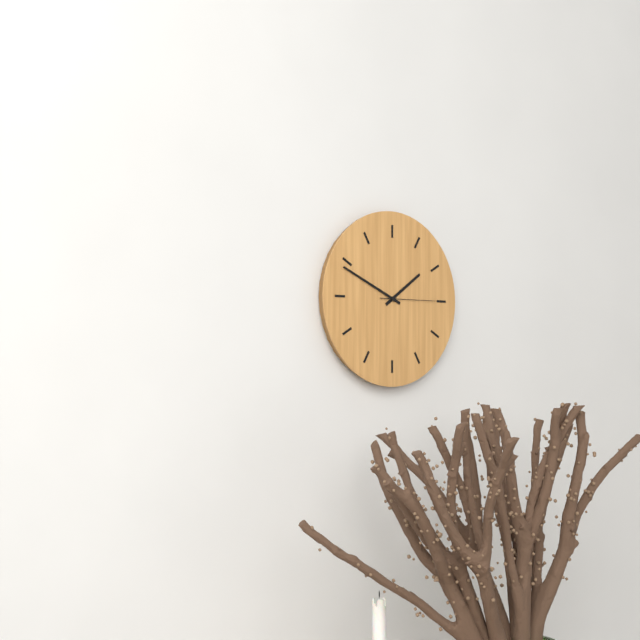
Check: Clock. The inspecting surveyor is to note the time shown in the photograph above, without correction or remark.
1:49:15
